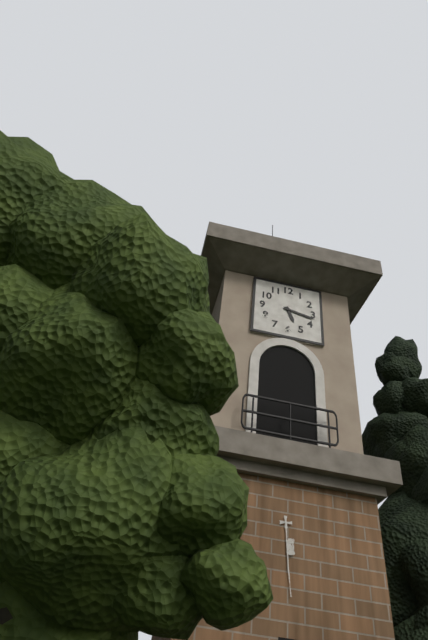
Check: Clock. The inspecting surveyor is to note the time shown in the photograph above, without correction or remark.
5:17
